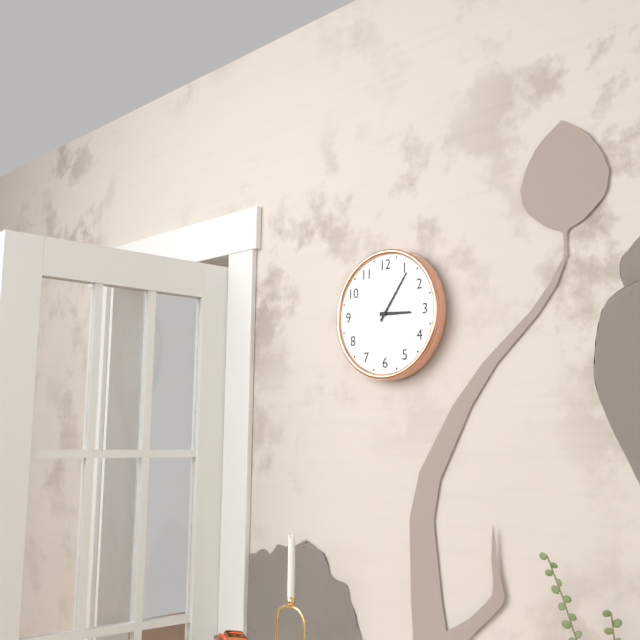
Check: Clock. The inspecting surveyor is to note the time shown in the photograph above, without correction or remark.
3:06
